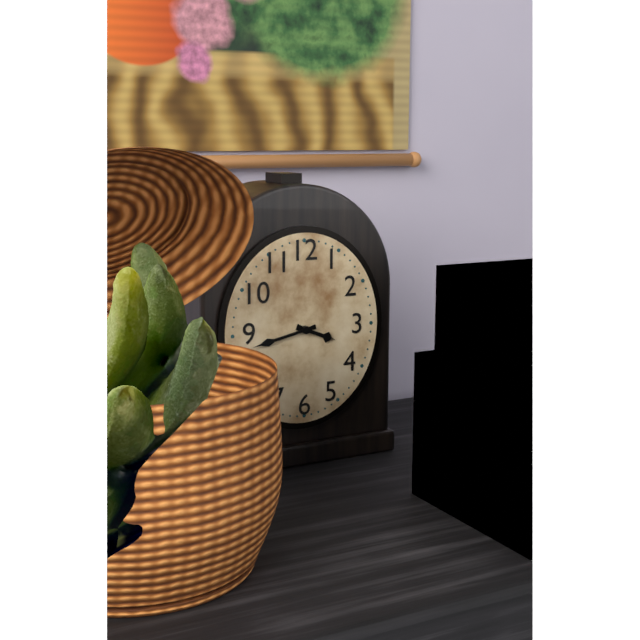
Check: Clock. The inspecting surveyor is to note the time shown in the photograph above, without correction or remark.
3:43
